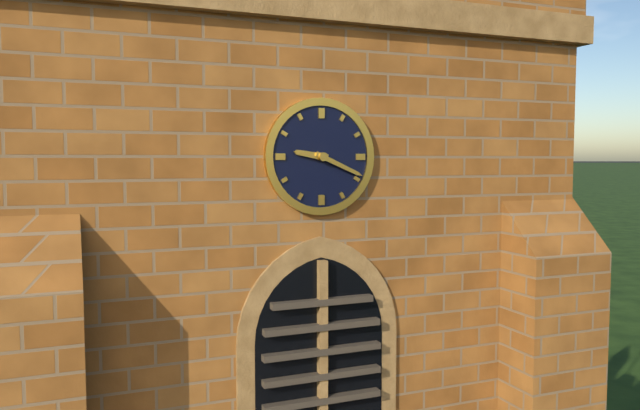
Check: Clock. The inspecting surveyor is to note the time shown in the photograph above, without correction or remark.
9:19
